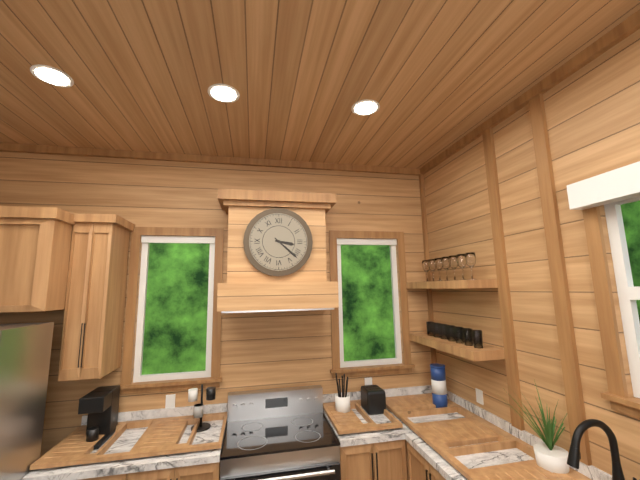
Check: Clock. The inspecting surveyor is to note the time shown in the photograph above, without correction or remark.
3:22
